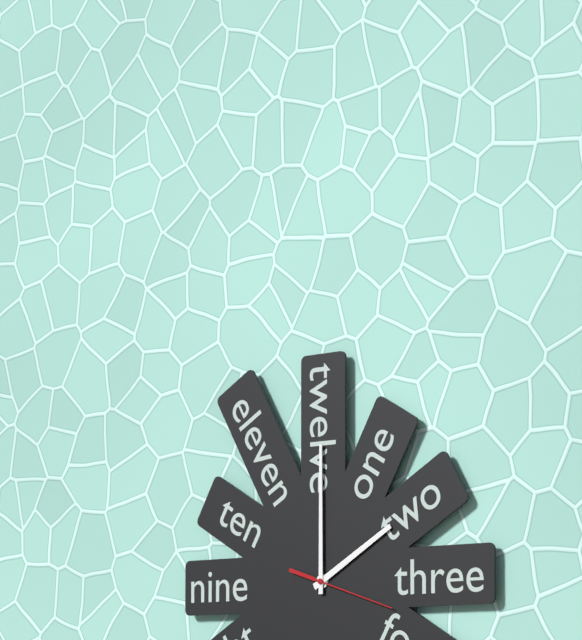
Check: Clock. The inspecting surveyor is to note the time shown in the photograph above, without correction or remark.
2:00:18
